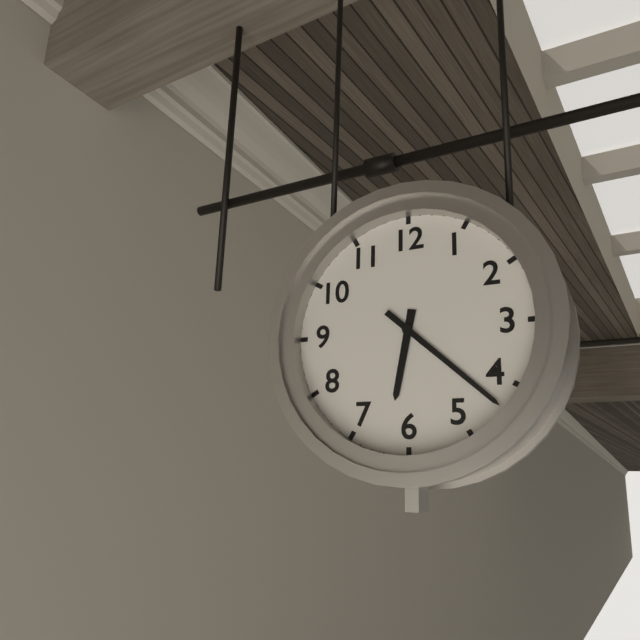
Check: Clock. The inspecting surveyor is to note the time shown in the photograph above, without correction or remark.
6:22
